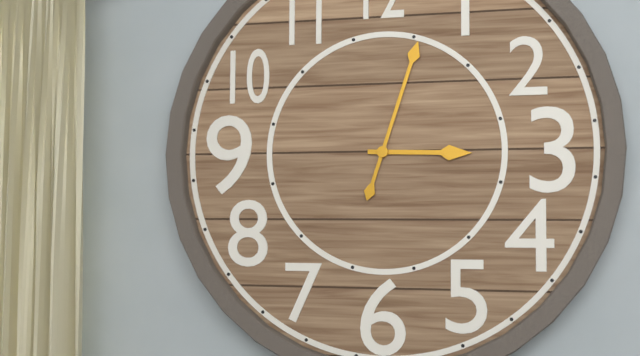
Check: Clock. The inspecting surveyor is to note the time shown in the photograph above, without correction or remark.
3:03
